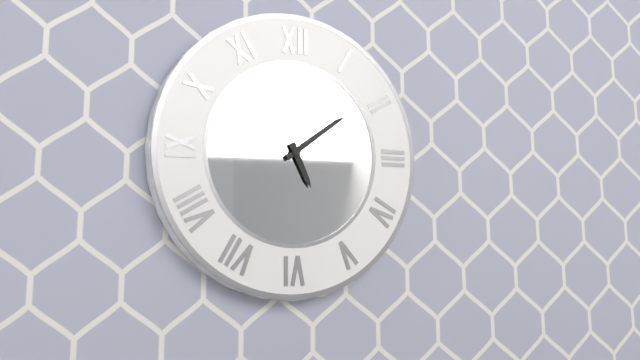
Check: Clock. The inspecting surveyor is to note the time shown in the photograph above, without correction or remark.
5:09
